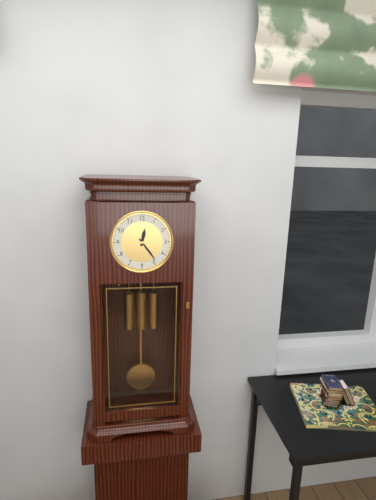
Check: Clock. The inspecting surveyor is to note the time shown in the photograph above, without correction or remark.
12:24
